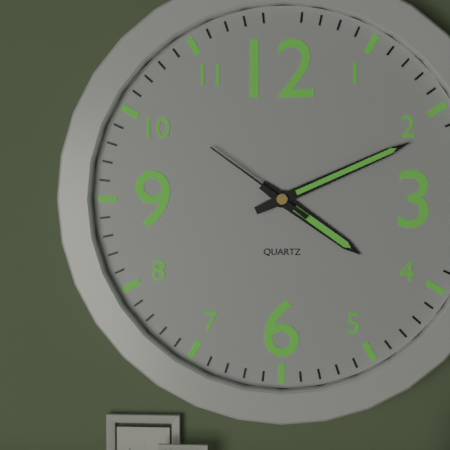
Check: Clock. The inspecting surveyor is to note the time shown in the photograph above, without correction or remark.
4:11:51
